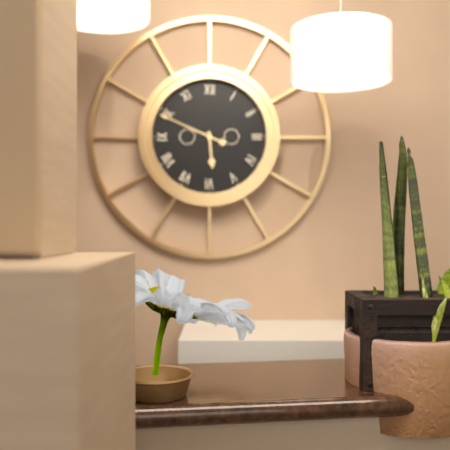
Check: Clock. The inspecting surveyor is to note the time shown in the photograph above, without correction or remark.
5:49
